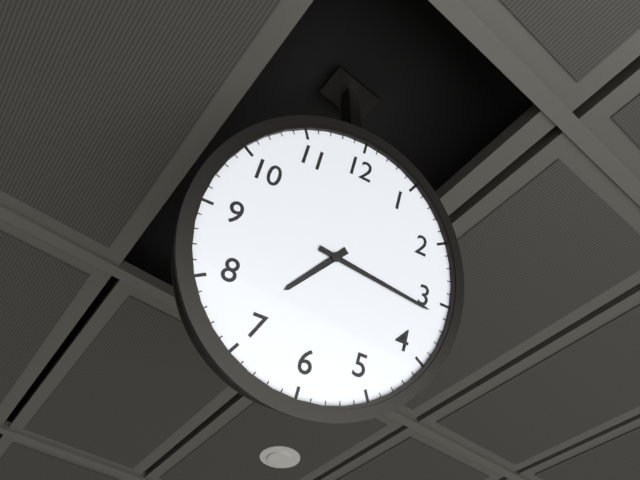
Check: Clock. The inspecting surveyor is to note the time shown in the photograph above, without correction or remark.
7:16
